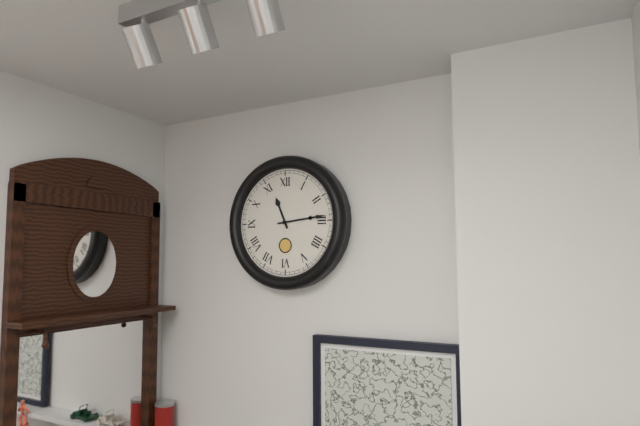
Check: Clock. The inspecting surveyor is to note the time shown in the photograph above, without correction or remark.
11:14
